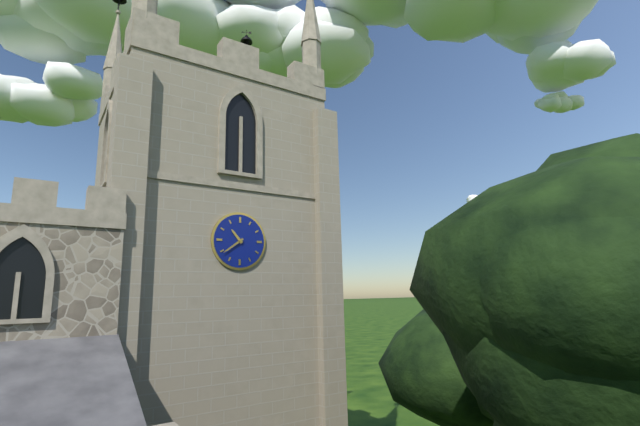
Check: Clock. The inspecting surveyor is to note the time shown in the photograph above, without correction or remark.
10:39
